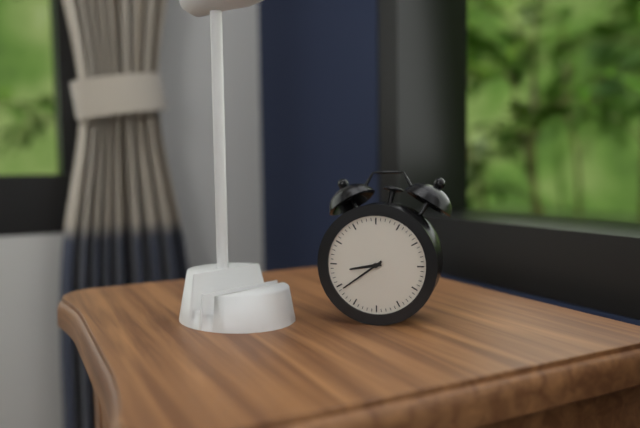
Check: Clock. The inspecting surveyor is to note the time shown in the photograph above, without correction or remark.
8:39
